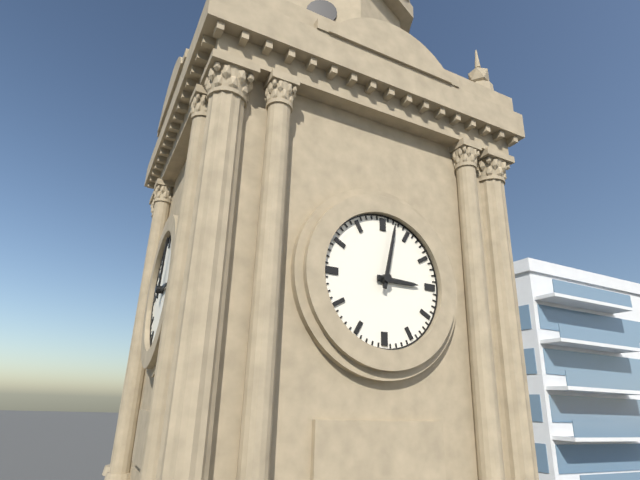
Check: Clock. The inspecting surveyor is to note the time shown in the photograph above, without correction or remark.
3:02
